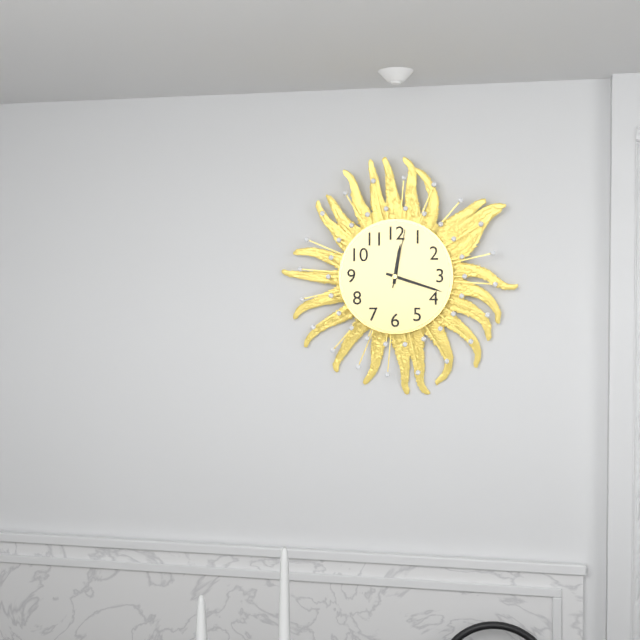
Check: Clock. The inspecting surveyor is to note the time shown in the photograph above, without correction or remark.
12:18:02
